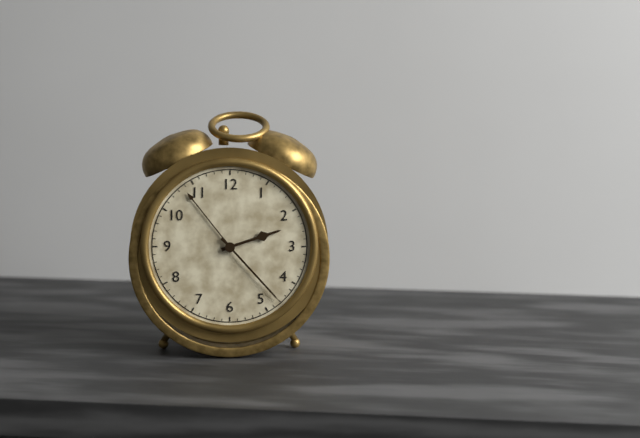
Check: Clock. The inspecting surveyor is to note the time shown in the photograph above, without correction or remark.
2:23
